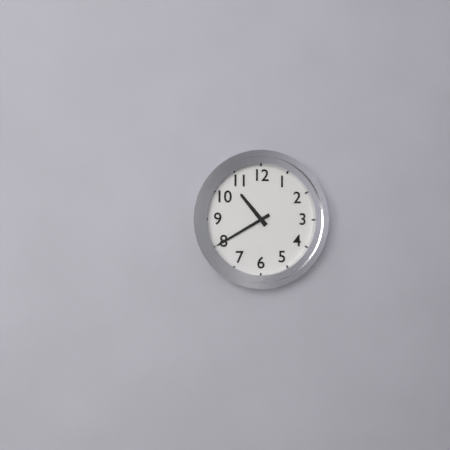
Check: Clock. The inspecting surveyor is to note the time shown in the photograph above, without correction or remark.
10:40
